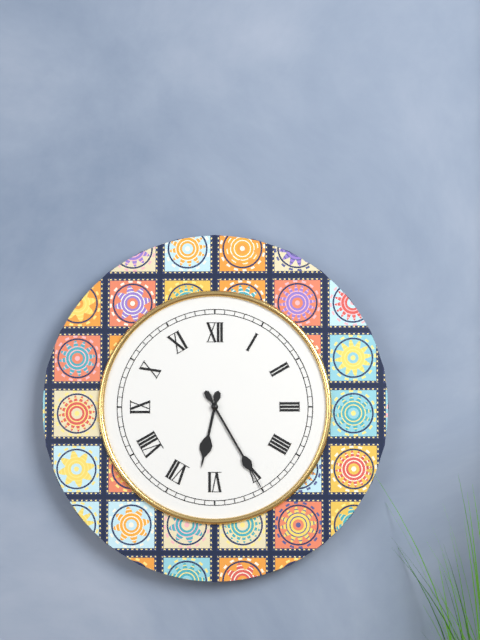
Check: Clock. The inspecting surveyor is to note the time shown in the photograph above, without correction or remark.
6:25
